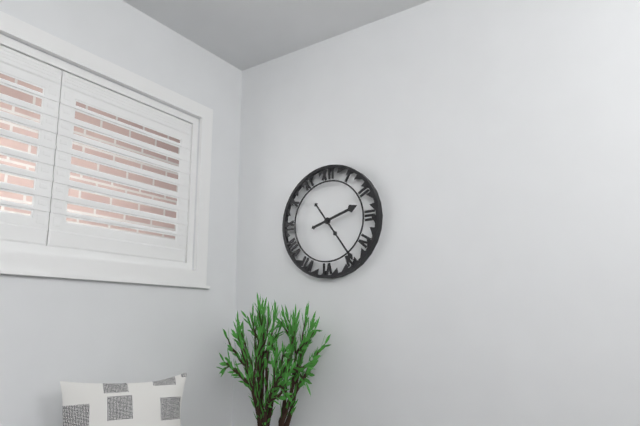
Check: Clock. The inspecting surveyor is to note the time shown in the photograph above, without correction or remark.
2:24
